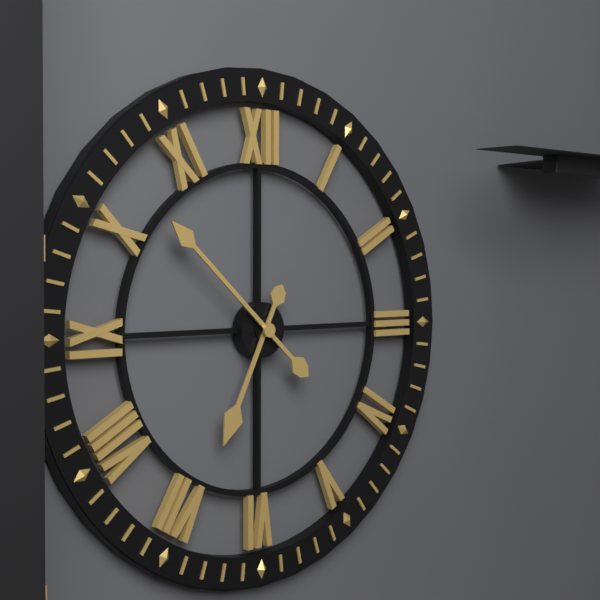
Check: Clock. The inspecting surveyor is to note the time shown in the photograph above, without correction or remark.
6:52
